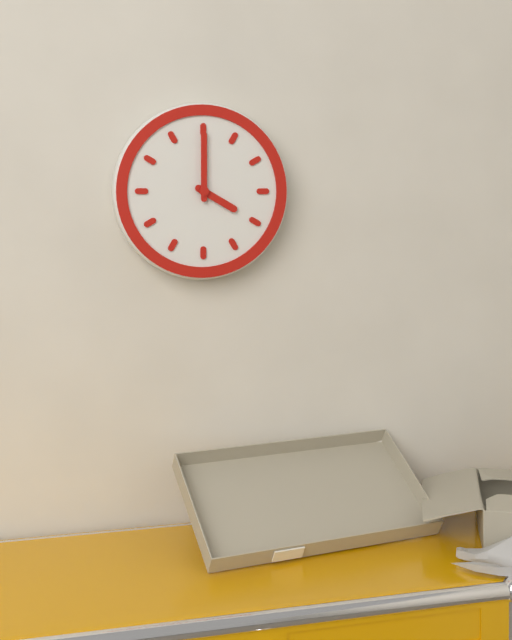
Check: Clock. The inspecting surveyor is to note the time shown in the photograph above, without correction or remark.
4:00
